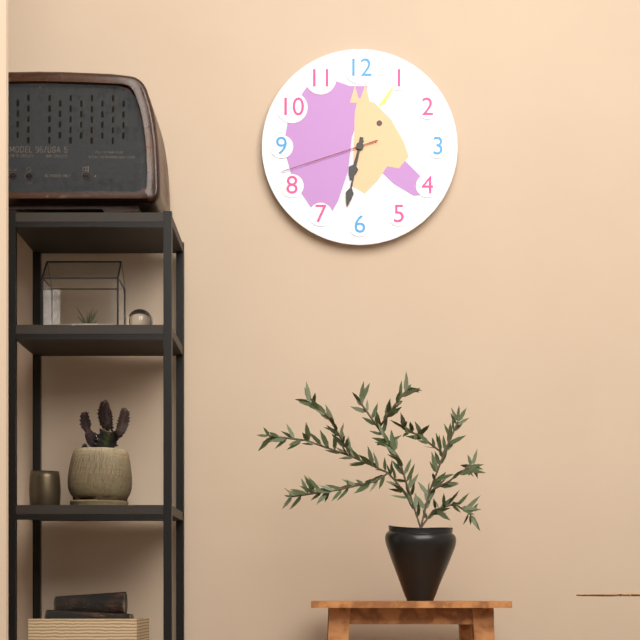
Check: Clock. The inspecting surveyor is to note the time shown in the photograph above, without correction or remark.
6:32:42
